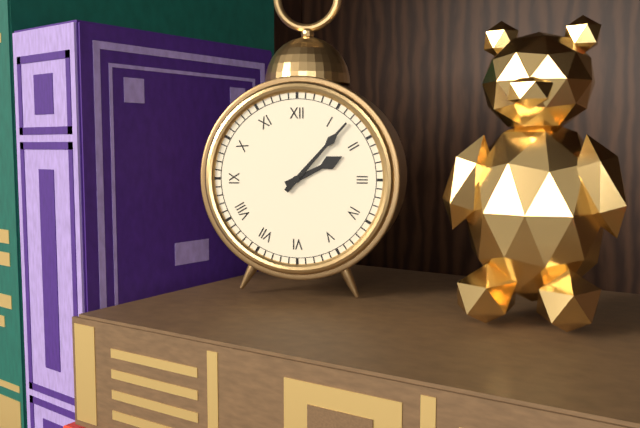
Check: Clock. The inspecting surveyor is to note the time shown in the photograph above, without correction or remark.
2:07
